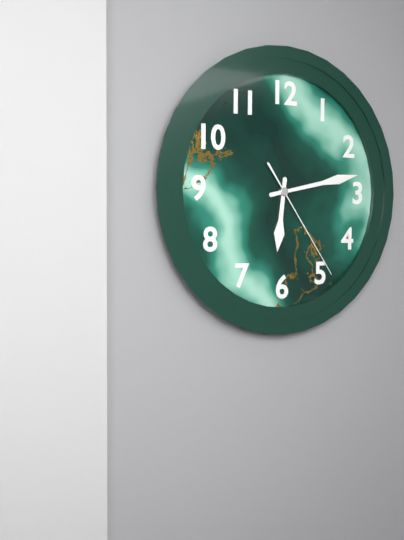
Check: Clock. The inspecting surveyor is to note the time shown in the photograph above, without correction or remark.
6:13:24
